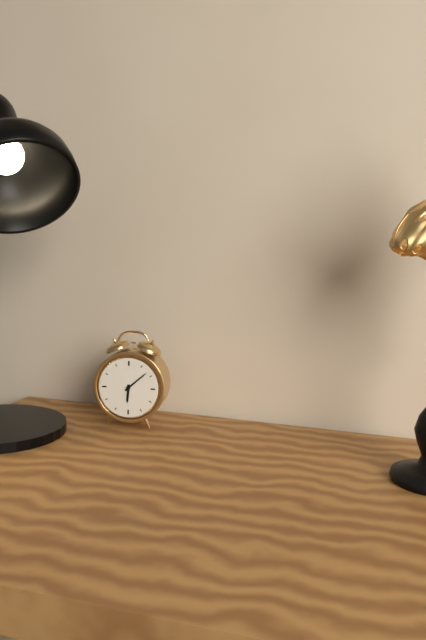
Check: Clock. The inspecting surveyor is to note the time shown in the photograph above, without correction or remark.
6:08
